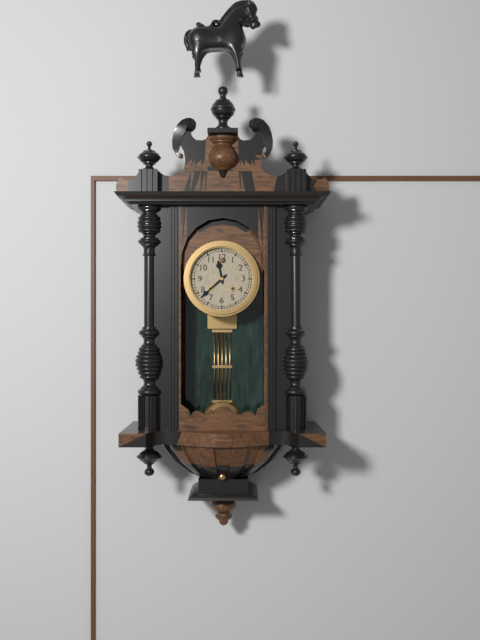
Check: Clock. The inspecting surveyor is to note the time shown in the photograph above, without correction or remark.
11:38
